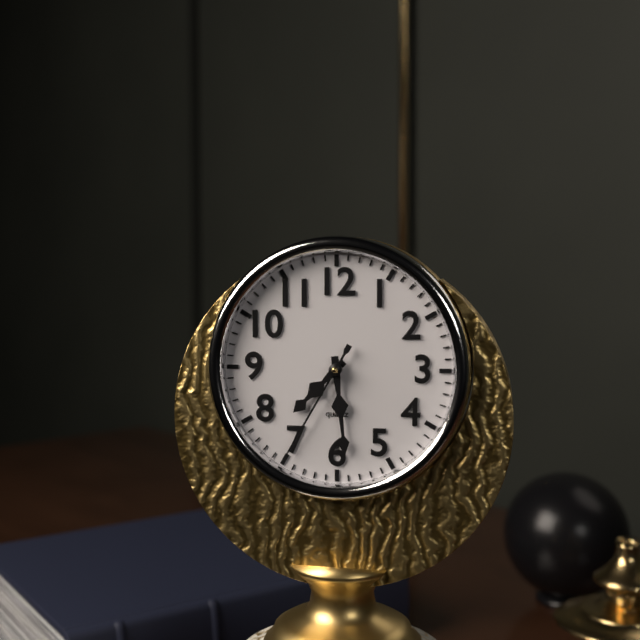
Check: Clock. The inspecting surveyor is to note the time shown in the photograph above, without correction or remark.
7:29:35
